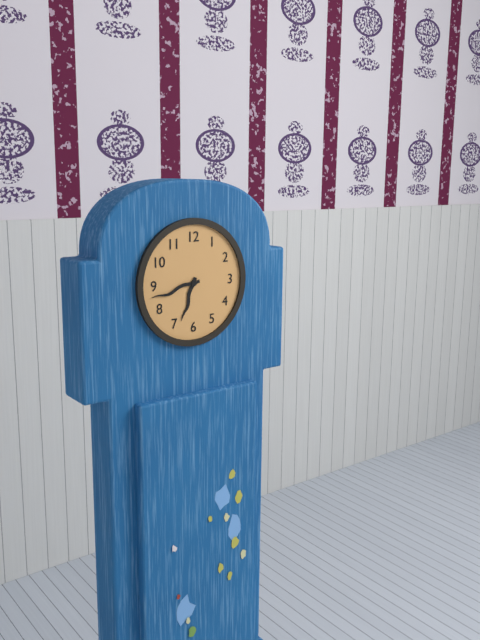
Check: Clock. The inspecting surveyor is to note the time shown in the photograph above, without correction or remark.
6:43
